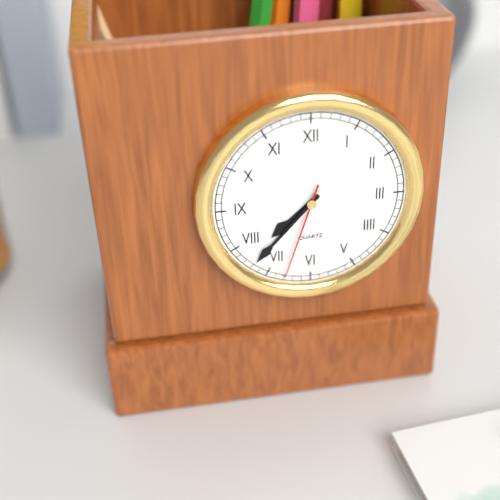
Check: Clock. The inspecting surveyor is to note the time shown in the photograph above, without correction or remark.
7:37:33
